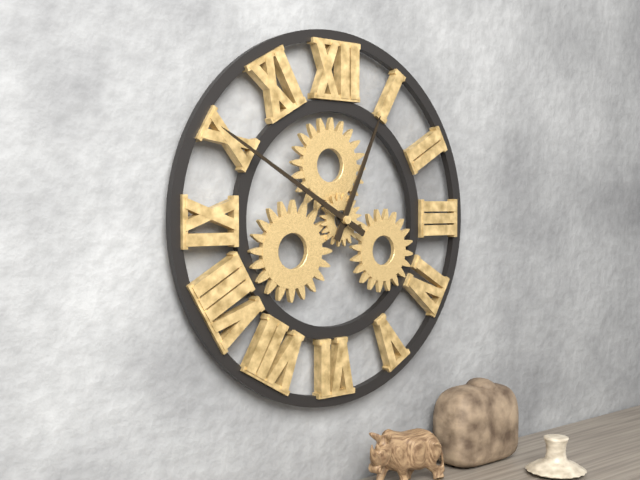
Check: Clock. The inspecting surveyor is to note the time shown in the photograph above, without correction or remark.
12:50
